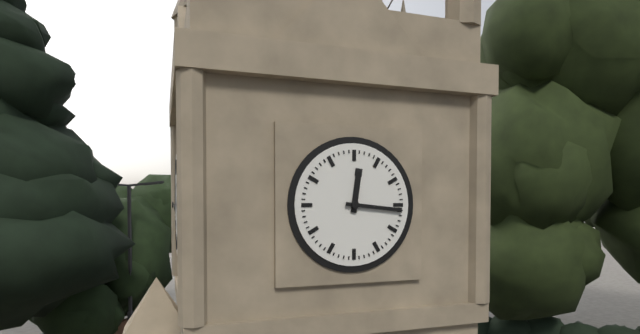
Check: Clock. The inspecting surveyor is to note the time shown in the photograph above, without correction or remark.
12:16
